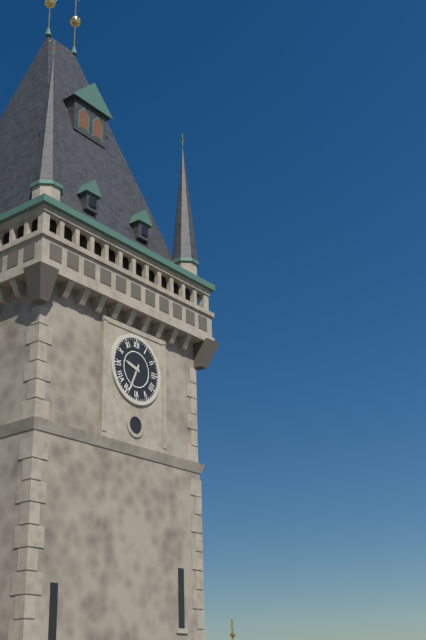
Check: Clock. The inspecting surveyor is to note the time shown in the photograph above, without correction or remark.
9:34
